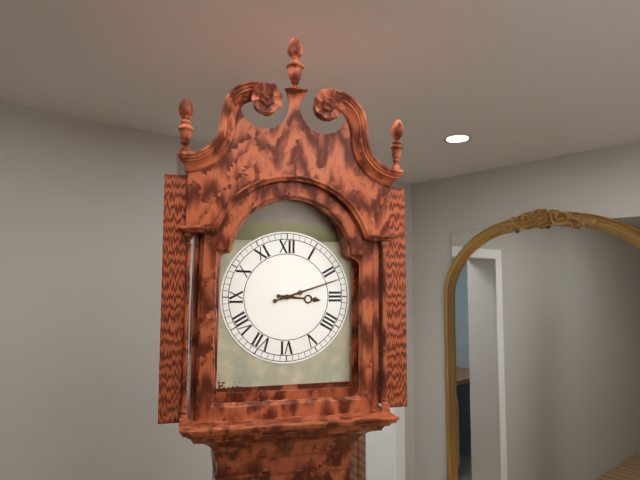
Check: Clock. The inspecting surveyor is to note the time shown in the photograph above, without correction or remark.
3:12
